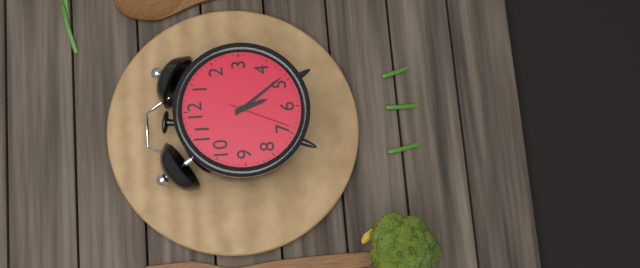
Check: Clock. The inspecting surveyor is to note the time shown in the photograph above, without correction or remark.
5:24:34
